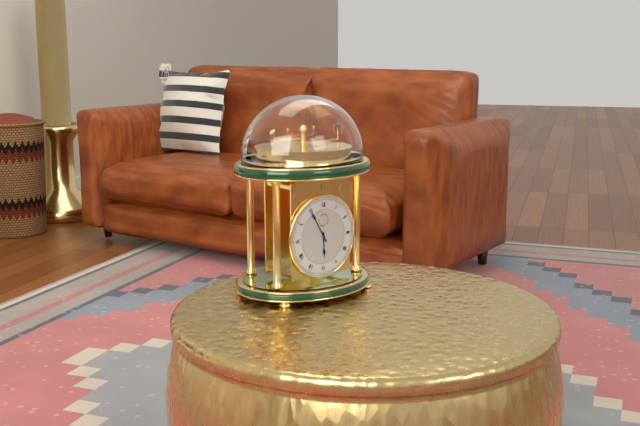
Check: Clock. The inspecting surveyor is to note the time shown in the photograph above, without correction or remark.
5:55
